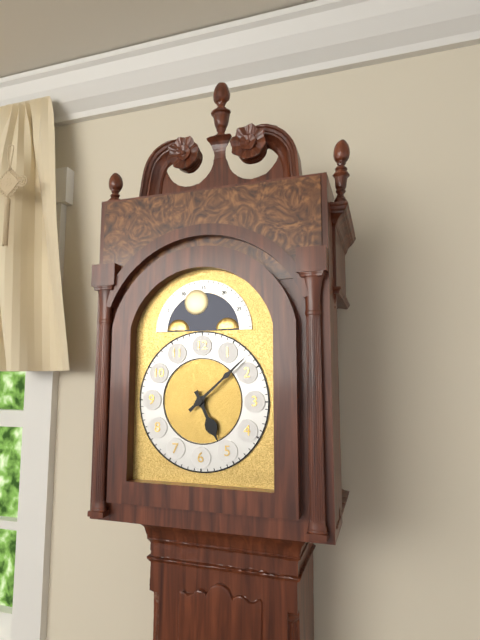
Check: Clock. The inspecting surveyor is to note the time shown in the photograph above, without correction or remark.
5:08
